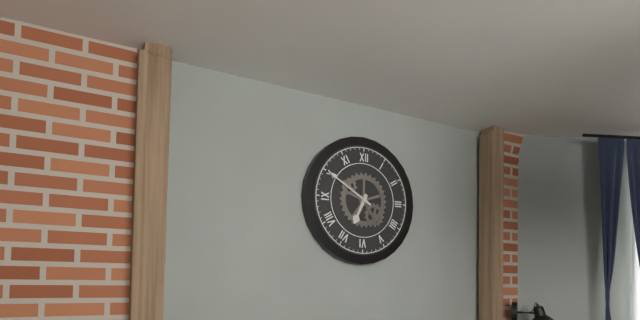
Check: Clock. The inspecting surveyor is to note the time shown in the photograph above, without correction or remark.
6:50
